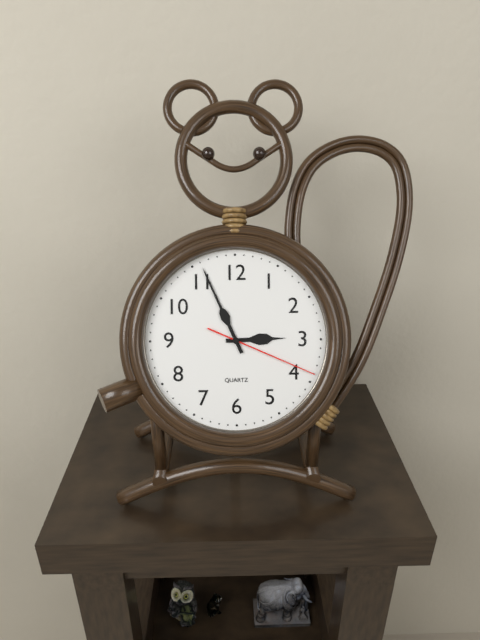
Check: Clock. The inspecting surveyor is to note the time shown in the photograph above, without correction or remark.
2:56:19
